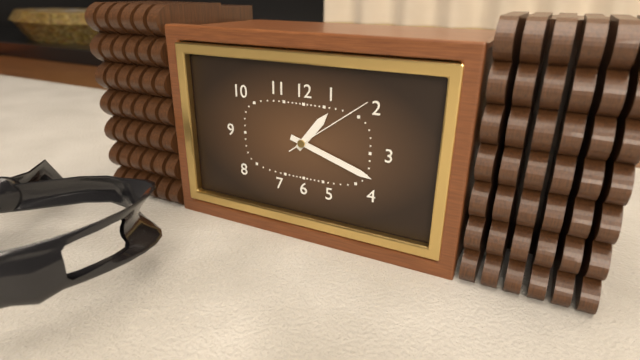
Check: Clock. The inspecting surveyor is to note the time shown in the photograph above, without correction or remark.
1:18:09
